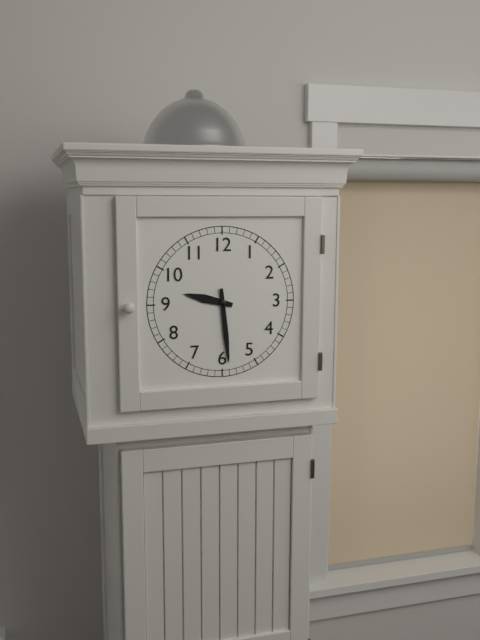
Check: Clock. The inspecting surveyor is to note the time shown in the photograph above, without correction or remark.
9:29
